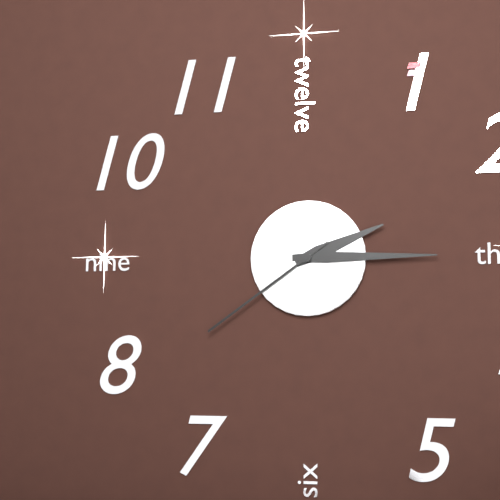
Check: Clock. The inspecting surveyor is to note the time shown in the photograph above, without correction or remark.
2:15:39
